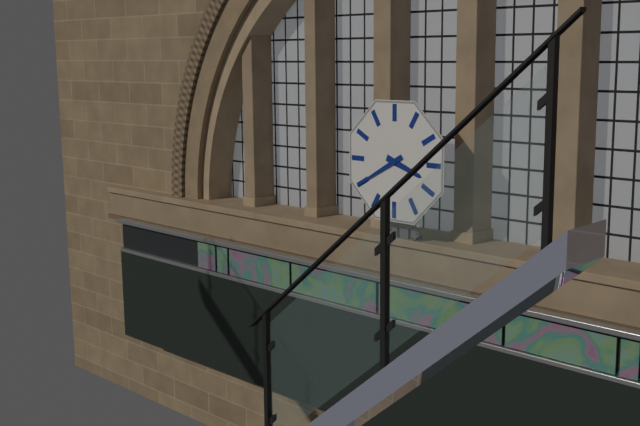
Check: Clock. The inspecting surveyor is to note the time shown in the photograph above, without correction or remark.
3:40
